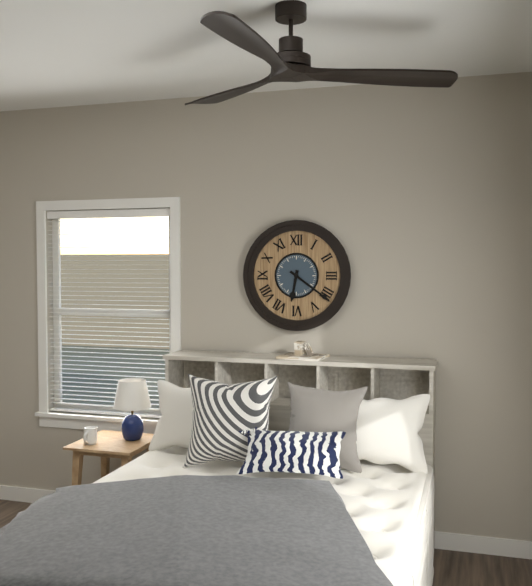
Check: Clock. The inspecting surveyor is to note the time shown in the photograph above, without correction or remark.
6:21
